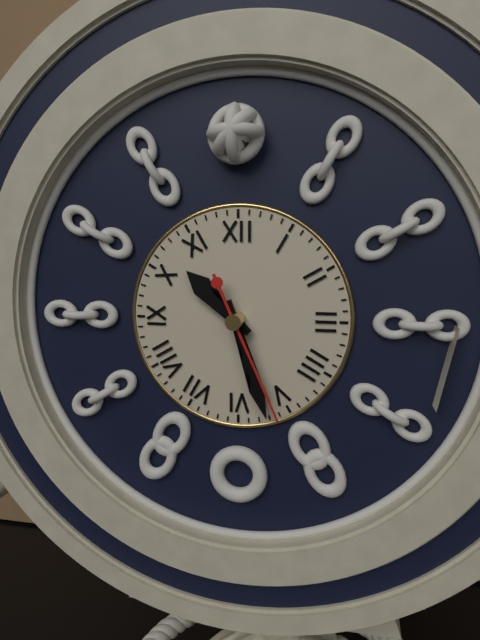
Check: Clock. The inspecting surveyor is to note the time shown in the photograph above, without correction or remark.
10:27:26
